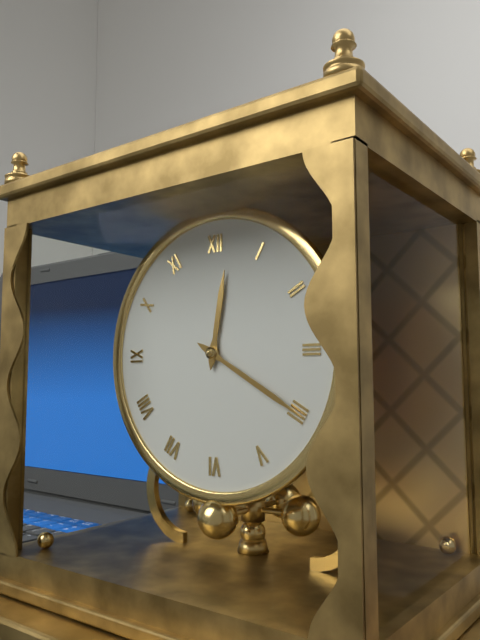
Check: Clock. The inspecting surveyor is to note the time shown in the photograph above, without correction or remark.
12:20
